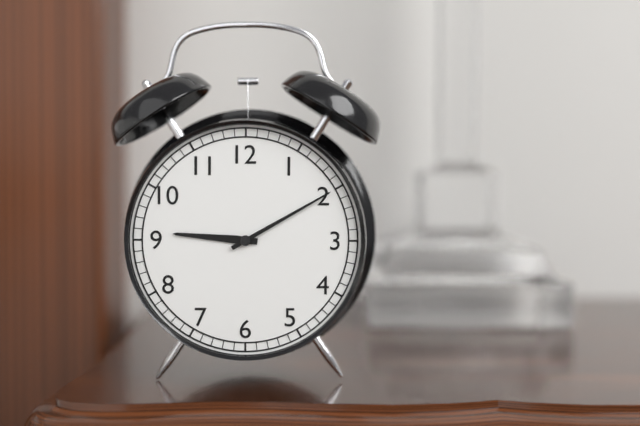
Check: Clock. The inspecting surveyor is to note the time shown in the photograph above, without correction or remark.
9:10
